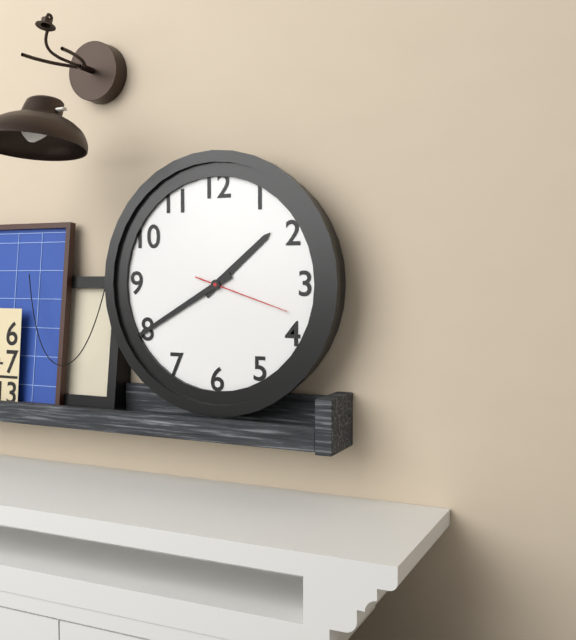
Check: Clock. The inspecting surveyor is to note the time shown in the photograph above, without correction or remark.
1:40:18
